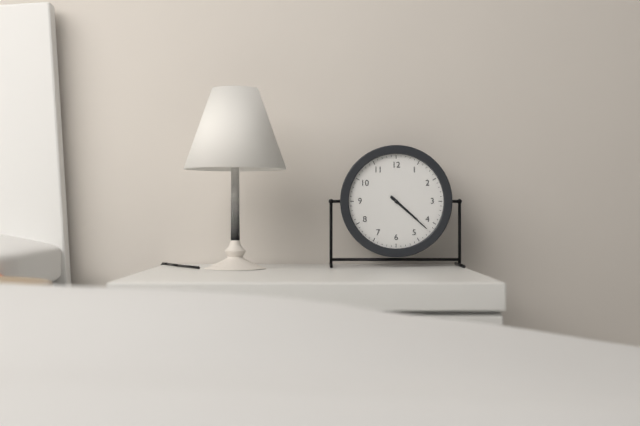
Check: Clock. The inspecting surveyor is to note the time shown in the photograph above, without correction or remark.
4:22
